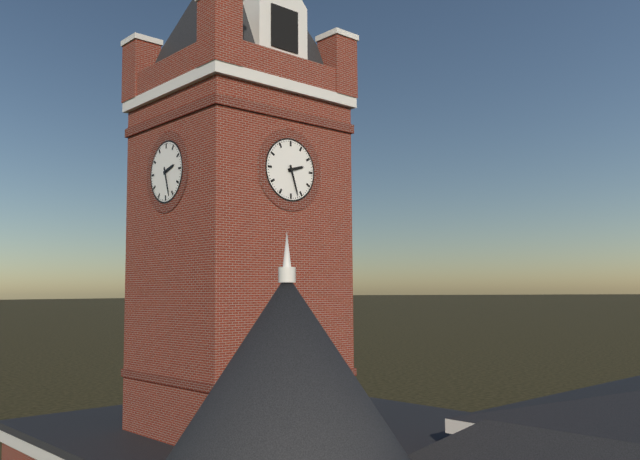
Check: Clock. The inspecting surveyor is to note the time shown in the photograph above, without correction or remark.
2:27
